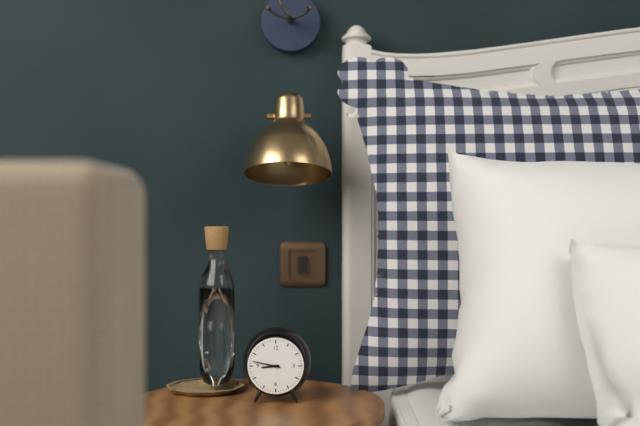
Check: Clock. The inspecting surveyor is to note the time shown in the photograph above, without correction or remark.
8:47
